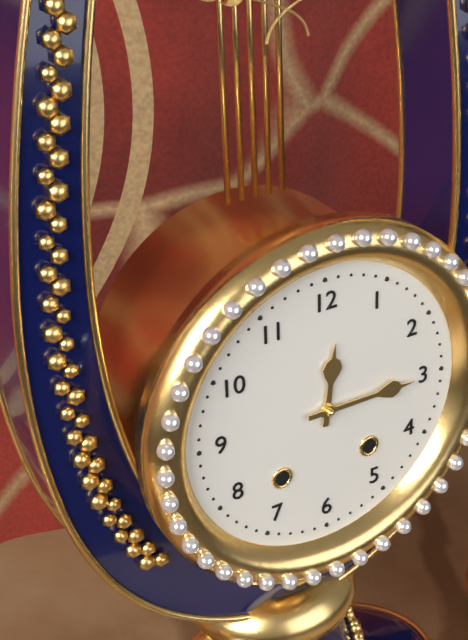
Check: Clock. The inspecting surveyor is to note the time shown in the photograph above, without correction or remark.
12:15
